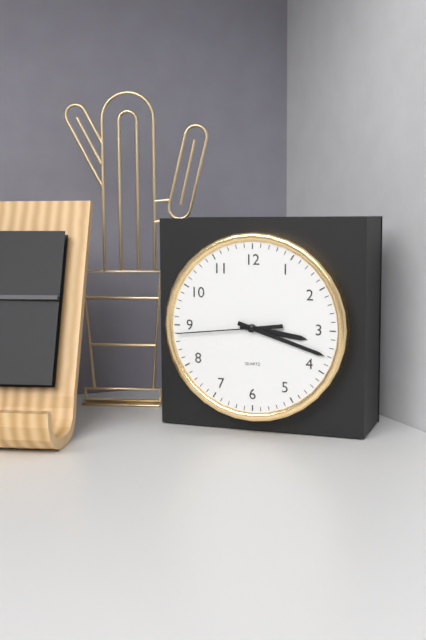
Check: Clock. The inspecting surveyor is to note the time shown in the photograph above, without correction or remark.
3:18:44
